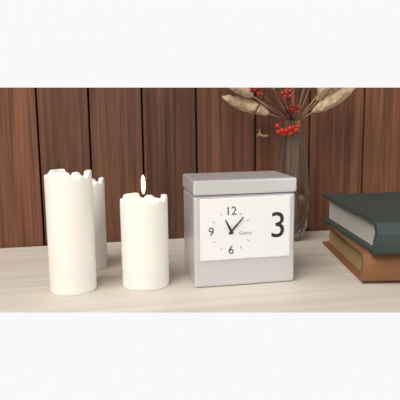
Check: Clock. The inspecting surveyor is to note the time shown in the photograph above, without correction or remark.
11:07
